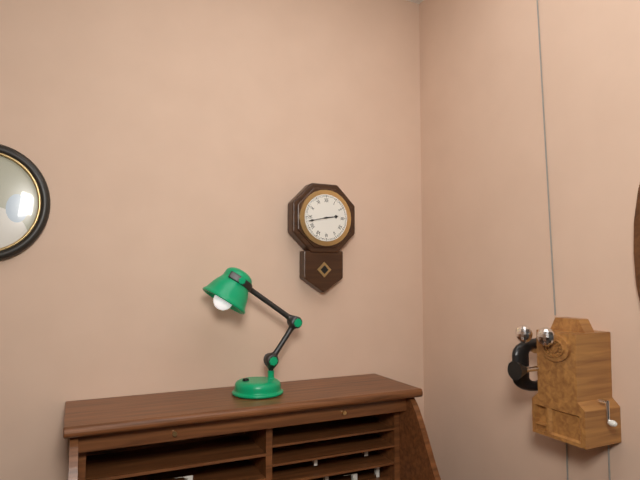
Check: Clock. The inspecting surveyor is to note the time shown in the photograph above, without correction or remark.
2:43
